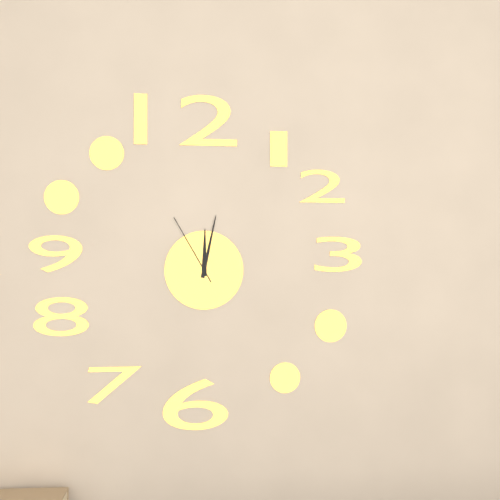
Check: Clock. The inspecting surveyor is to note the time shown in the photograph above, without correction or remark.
12:02:55
